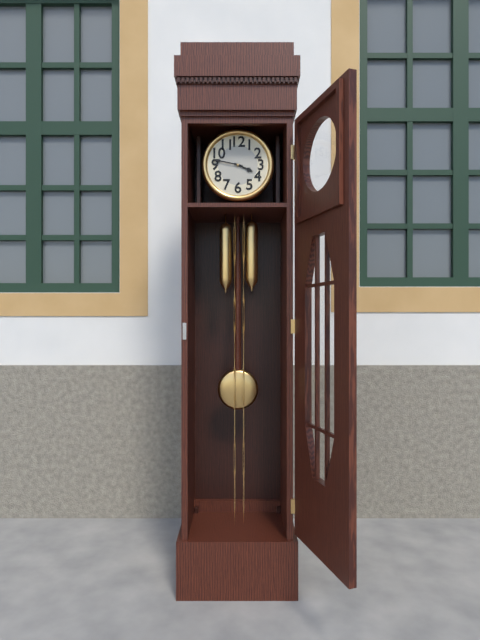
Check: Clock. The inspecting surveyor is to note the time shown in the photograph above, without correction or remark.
3:47
